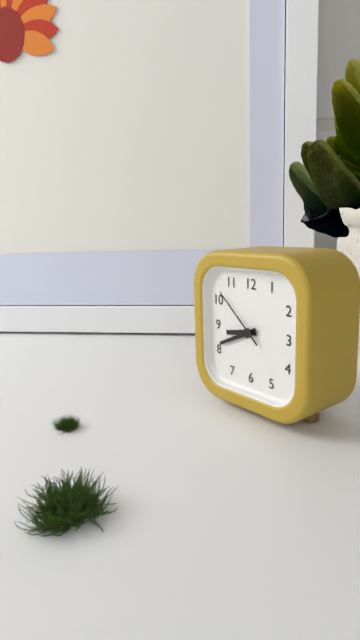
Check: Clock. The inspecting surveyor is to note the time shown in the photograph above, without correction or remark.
8:41:52
